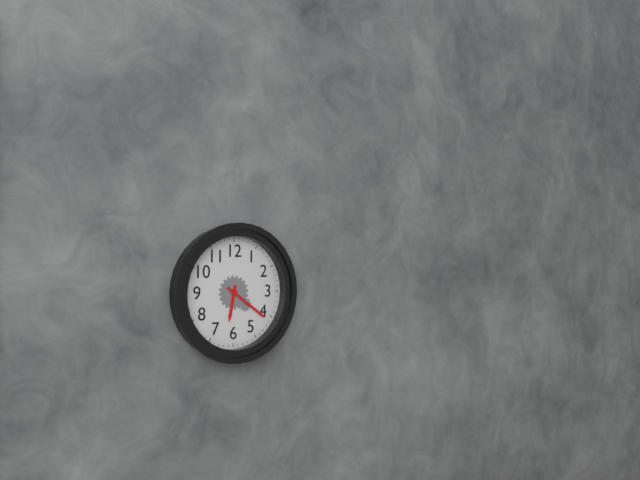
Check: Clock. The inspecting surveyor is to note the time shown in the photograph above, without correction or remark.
6:21
